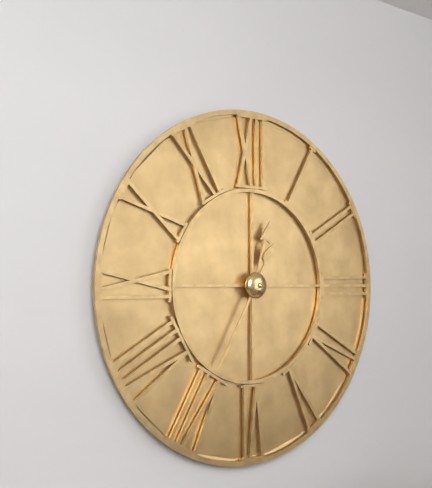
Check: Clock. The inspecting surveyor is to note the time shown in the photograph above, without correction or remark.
12:35
